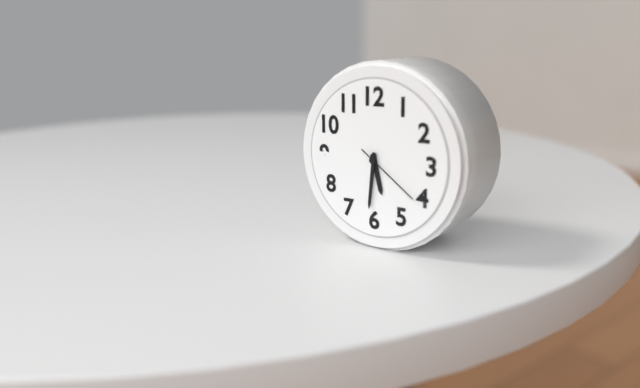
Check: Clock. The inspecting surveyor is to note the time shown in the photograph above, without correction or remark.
5:31:21
